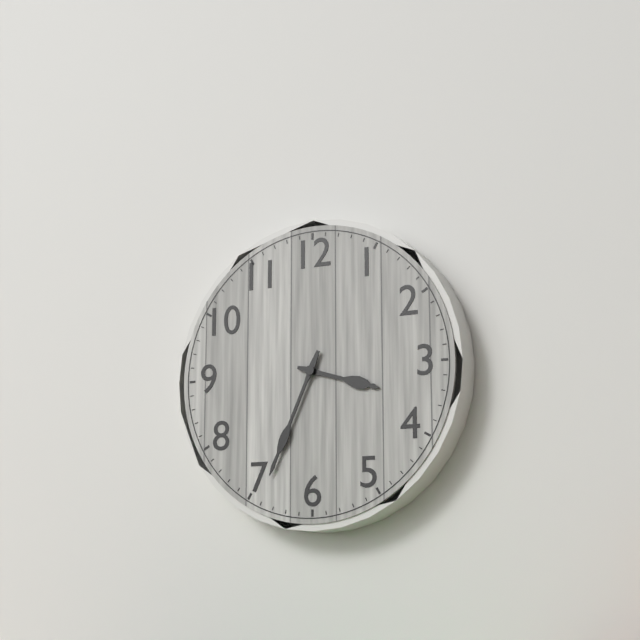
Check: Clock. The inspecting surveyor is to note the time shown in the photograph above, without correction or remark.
3:34
